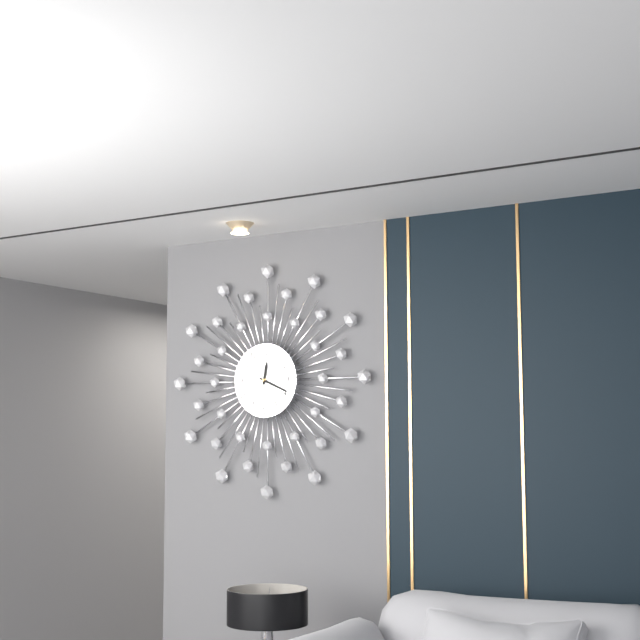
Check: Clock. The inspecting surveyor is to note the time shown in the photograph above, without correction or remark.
12:19
